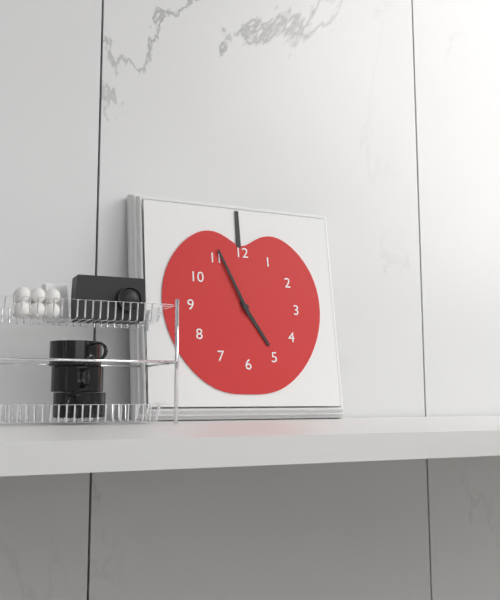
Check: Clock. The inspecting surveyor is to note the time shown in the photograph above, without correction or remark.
4:56
